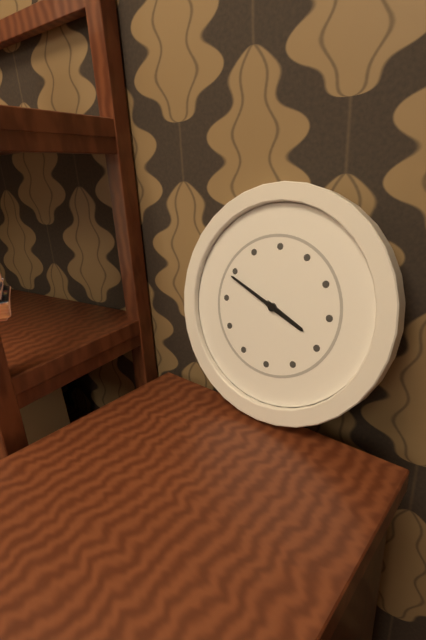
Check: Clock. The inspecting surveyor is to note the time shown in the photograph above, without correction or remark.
3:49
